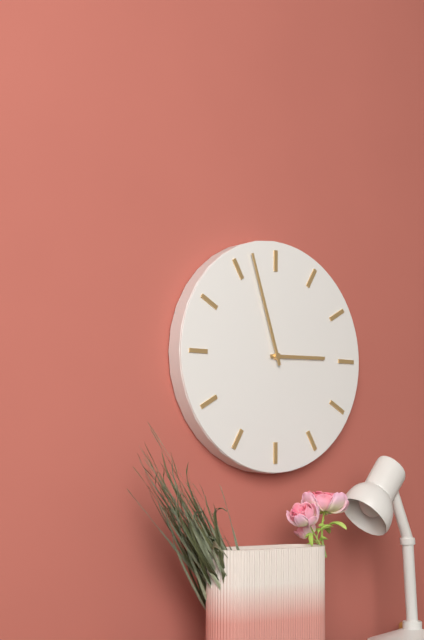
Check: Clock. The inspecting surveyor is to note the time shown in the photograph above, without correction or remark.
2:57
